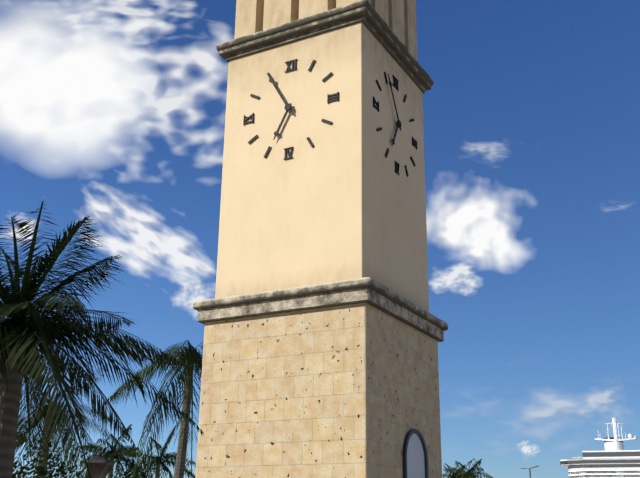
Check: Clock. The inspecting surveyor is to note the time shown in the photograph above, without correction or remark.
6:55
